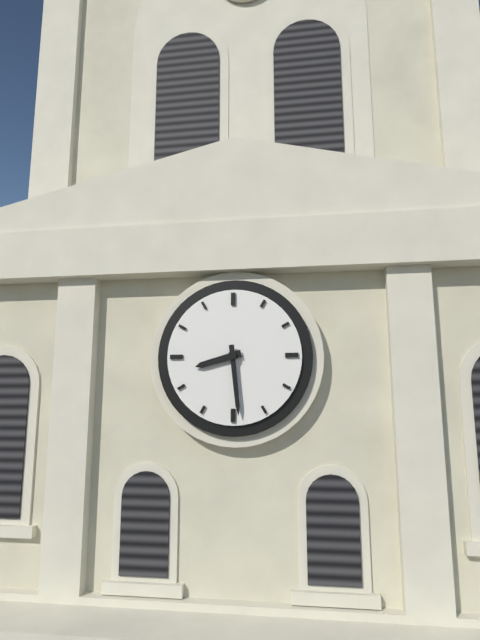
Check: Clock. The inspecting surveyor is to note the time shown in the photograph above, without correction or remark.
8:29
